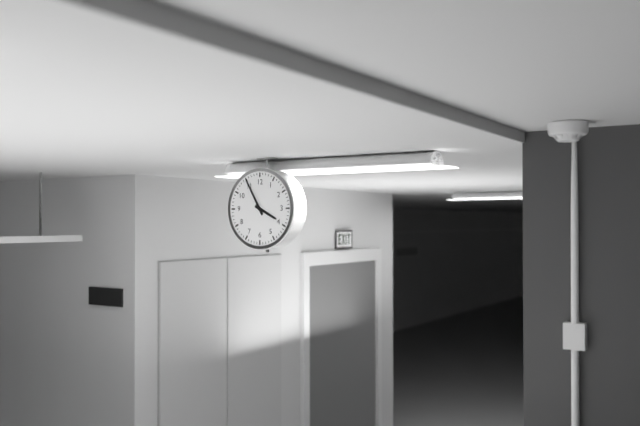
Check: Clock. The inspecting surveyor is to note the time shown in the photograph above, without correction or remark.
3:55
